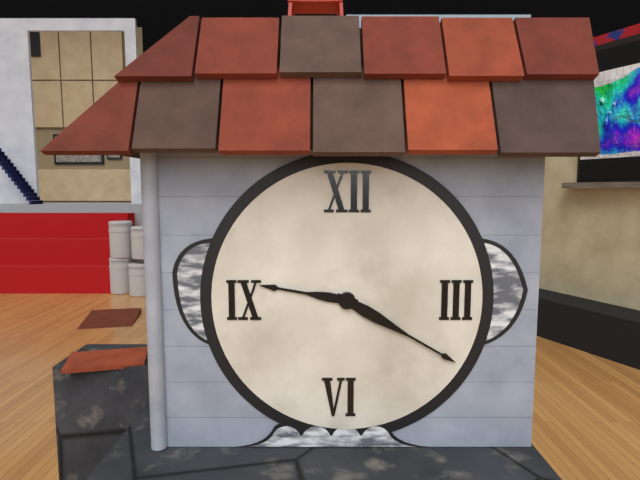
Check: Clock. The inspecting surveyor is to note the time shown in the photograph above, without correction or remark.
9:20
